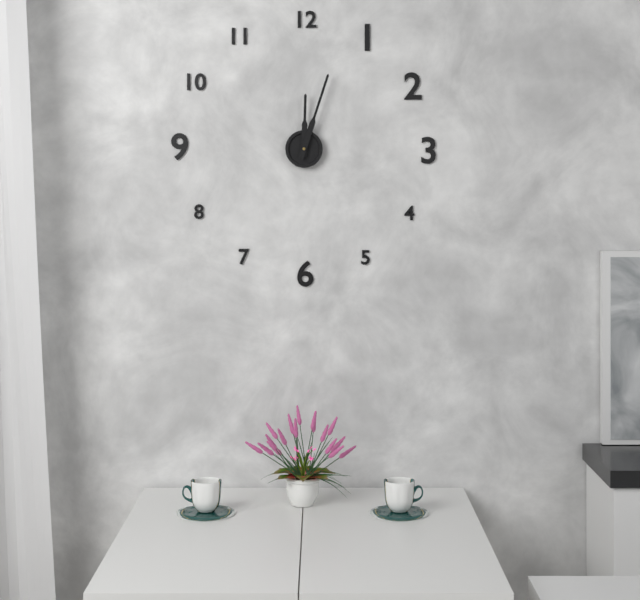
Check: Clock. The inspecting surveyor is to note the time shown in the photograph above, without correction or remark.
12:03
